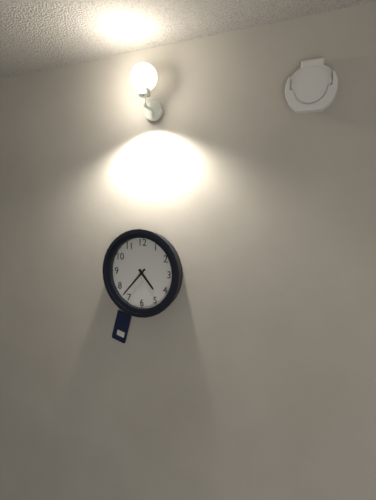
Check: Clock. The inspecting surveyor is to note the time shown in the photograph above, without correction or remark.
4:37
